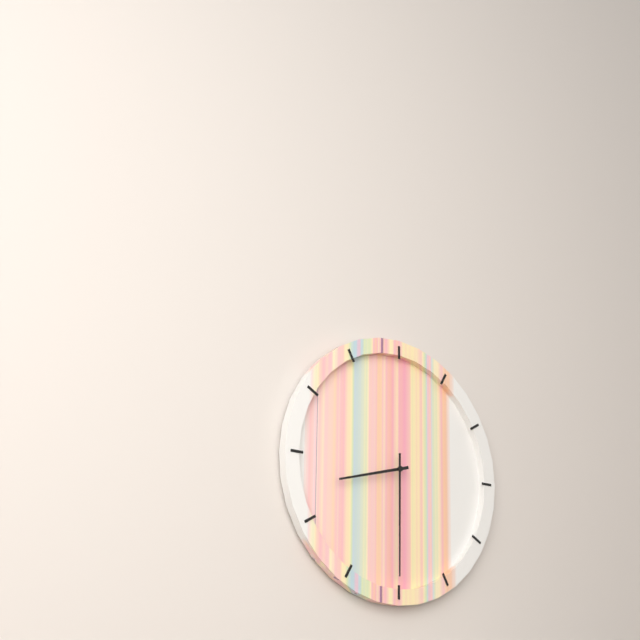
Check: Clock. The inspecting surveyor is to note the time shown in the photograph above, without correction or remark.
8:30
